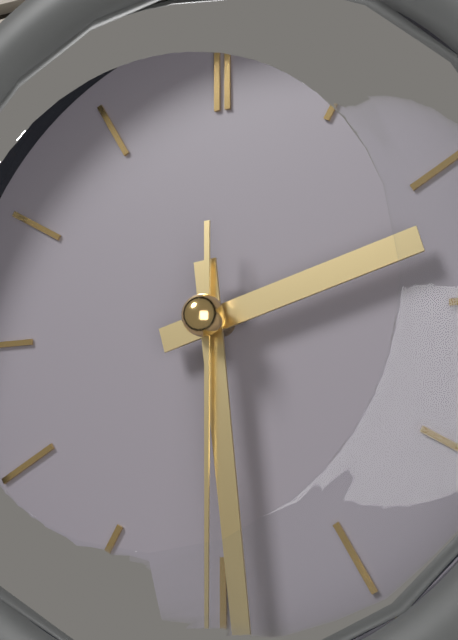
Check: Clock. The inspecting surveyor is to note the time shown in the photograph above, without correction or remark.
2:29
